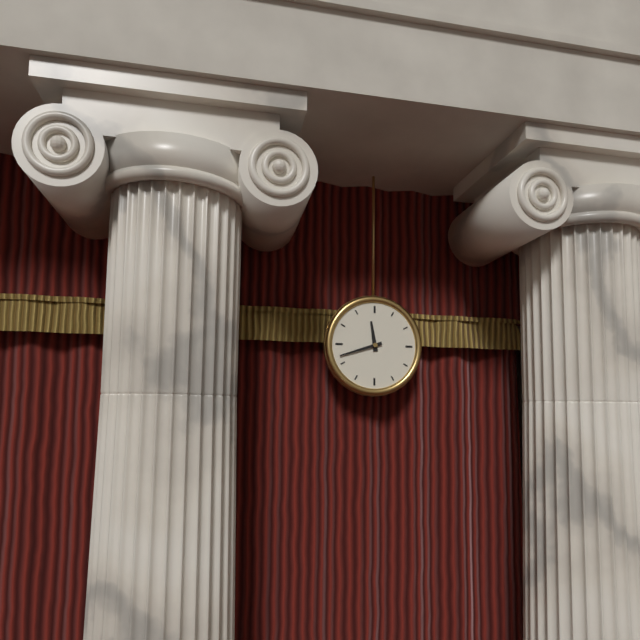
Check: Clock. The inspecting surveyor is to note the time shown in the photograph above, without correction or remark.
11:42
